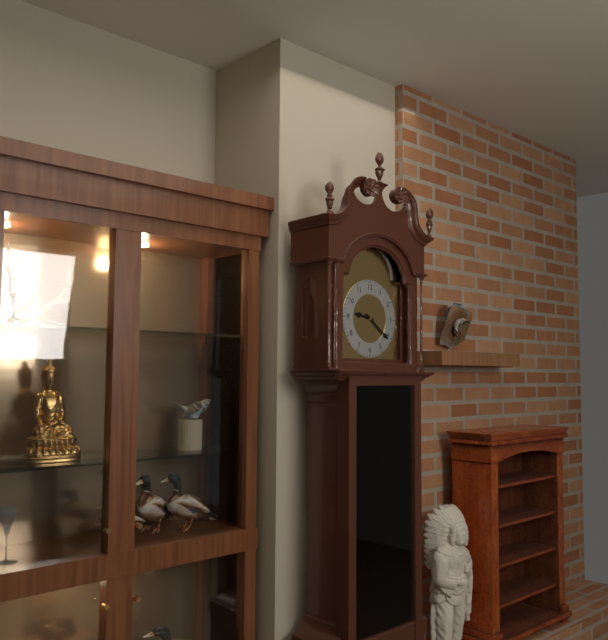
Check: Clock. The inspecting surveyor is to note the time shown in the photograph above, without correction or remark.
9:21
